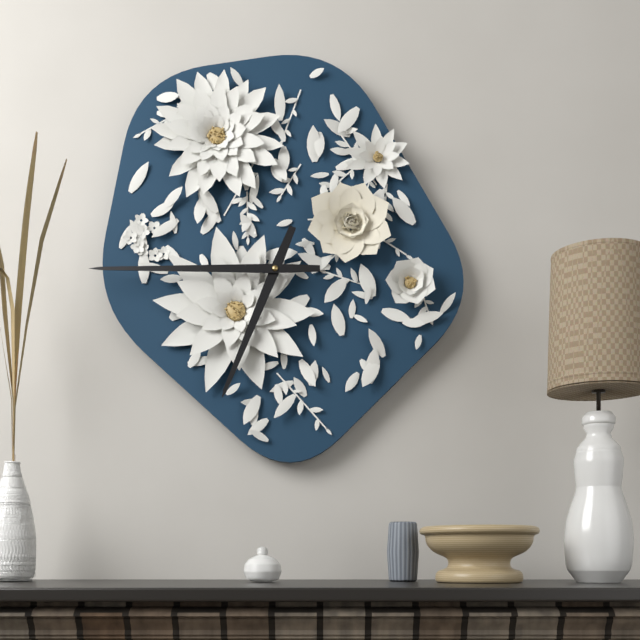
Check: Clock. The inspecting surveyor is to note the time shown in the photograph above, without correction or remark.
6:45
